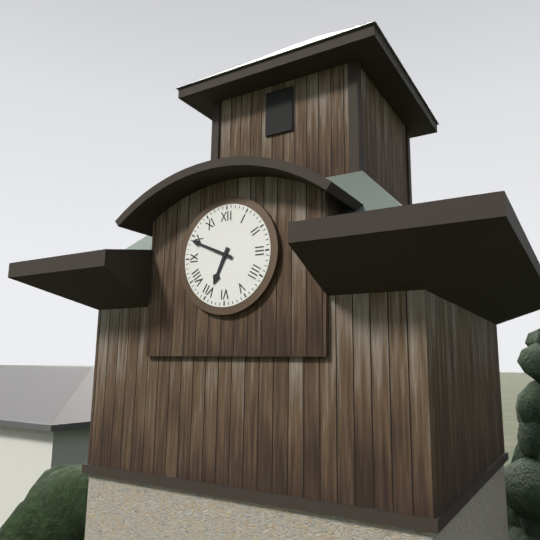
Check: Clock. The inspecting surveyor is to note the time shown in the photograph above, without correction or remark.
6:49
